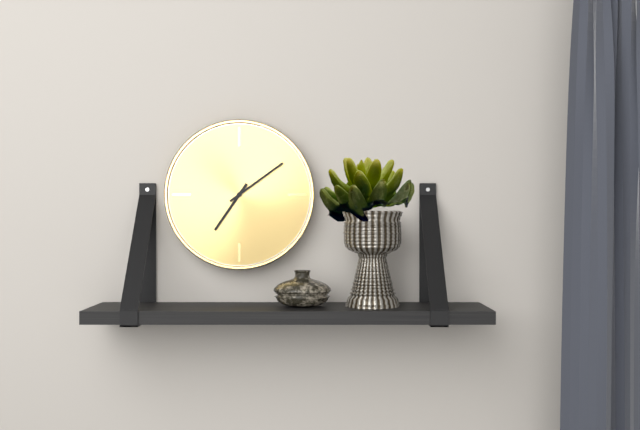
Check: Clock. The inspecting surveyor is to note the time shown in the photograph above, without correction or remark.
7:09
